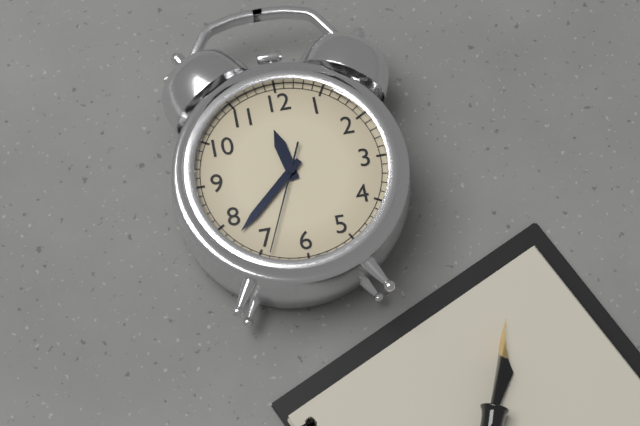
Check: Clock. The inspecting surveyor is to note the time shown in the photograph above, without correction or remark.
11:38:34
